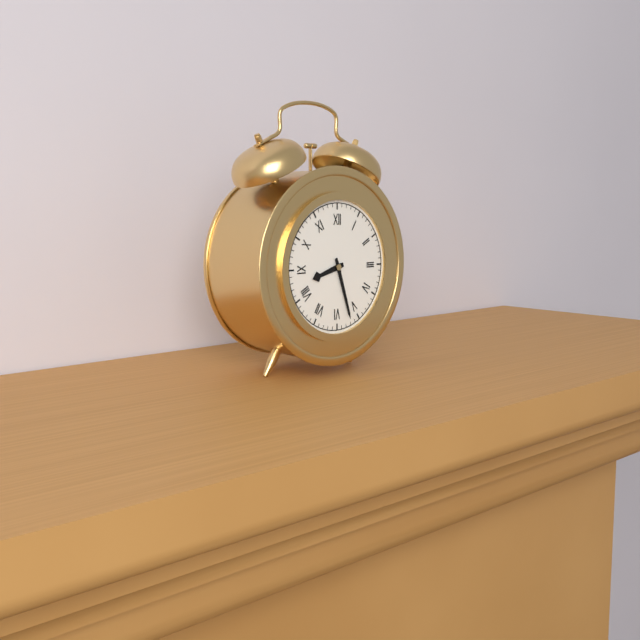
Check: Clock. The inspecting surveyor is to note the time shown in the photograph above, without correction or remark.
8:27
